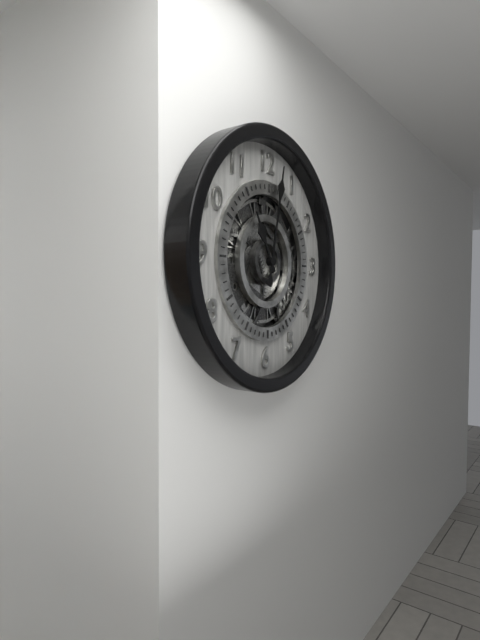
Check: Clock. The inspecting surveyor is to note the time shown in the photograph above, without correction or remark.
11:02
